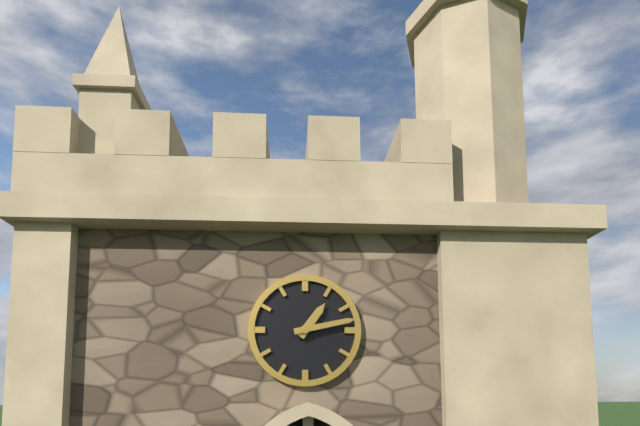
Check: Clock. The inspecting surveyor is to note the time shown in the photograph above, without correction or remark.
1:13
